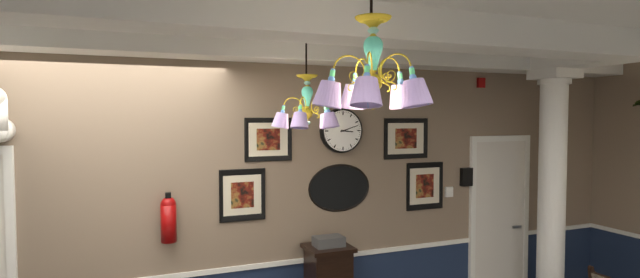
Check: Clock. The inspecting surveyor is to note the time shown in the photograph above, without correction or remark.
3:12
